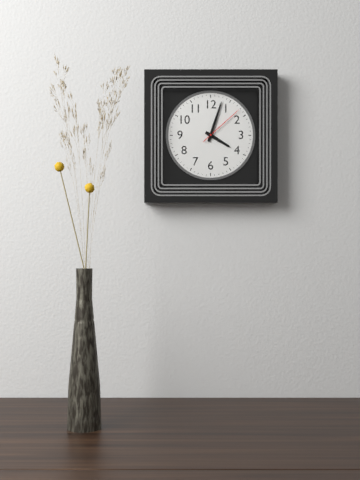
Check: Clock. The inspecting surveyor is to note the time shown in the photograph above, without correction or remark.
4:03
